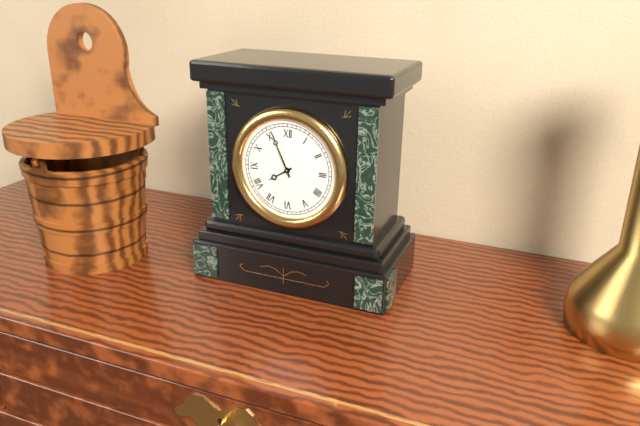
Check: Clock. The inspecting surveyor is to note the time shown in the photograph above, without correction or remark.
7:56
